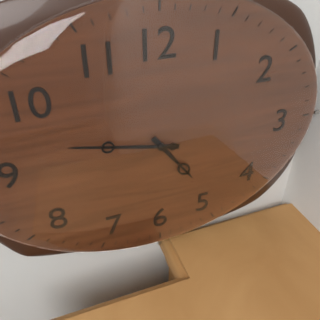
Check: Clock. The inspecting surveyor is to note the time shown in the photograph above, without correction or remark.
4:47
